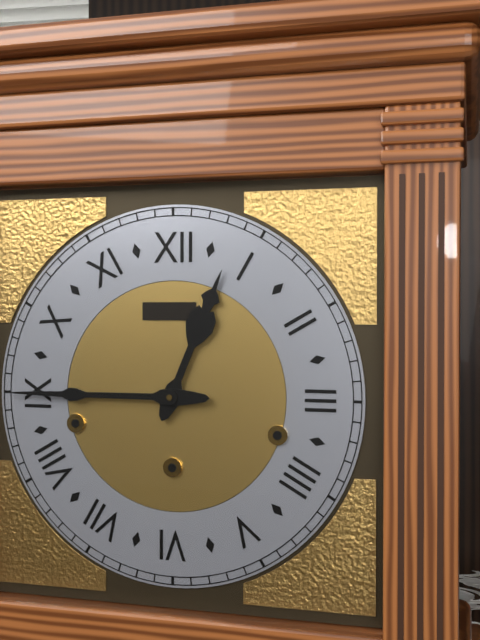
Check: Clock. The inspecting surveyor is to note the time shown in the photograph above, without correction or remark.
12:45
